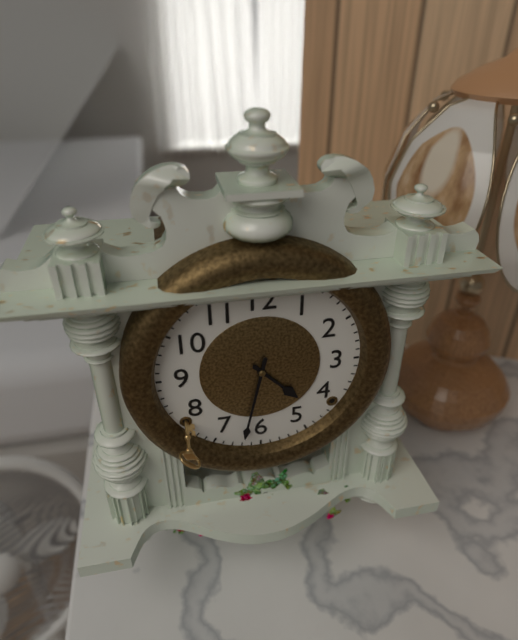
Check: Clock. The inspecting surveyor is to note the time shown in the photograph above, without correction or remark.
4:32
